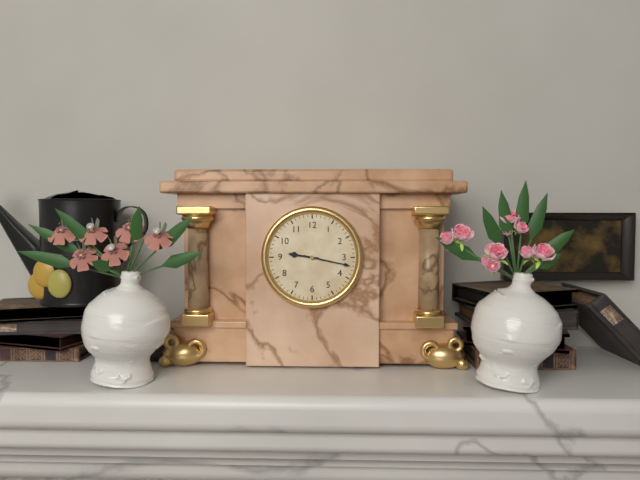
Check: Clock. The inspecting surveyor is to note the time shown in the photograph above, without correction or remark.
9:17
